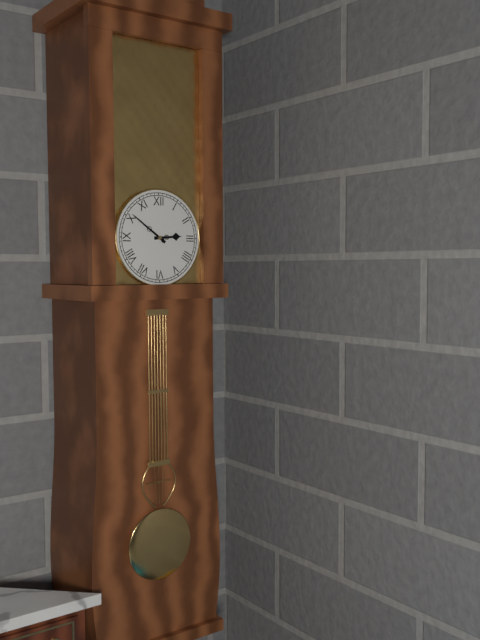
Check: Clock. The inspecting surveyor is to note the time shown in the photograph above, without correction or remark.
2:51
